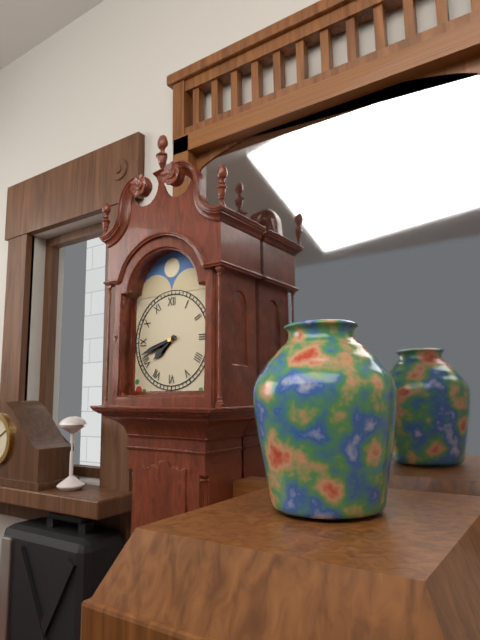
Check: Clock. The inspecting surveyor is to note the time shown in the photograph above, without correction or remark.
7:42
